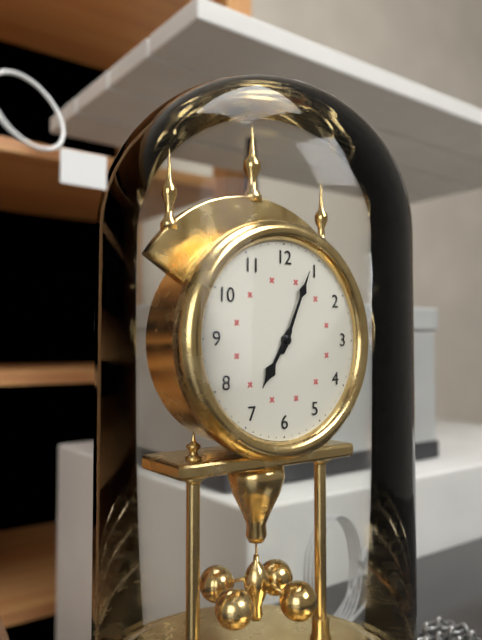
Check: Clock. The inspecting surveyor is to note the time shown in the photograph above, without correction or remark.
7:04
